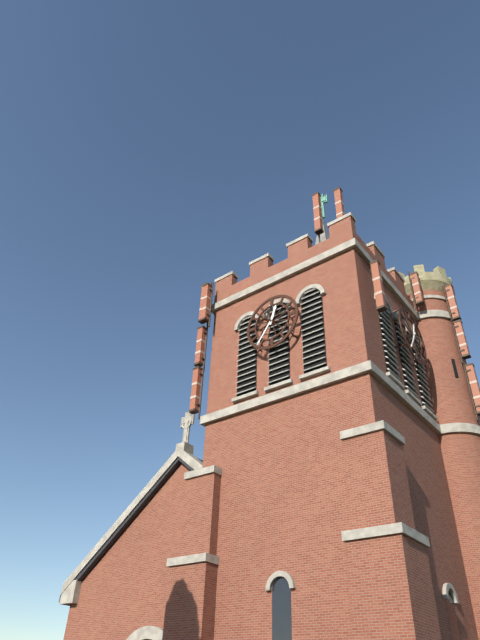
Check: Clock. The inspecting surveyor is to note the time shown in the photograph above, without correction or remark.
12:36
